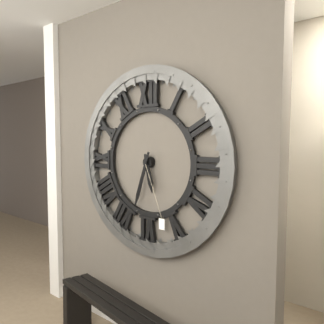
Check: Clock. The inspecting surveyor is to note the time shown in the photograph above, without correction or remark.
5:33
